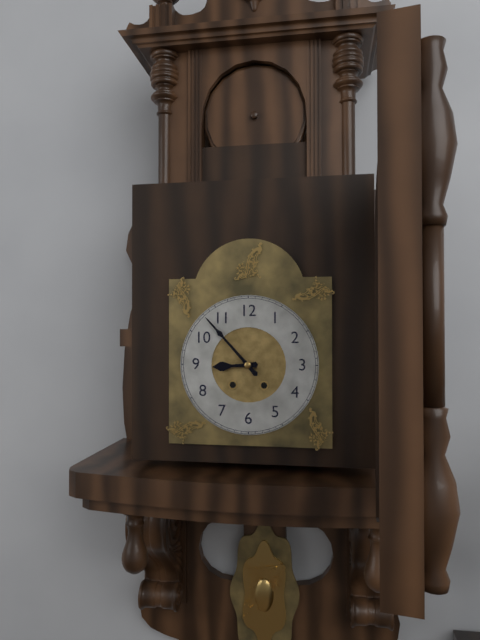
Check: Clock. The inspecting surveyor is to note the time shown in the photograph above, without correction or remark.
8:53
